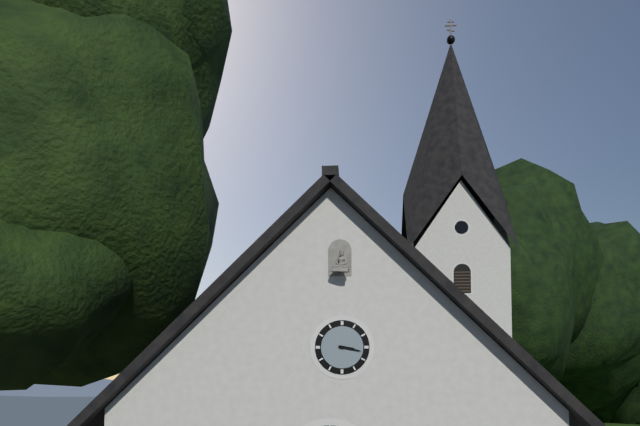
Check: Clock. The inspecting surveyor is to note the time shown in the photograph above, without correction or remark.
3:17
